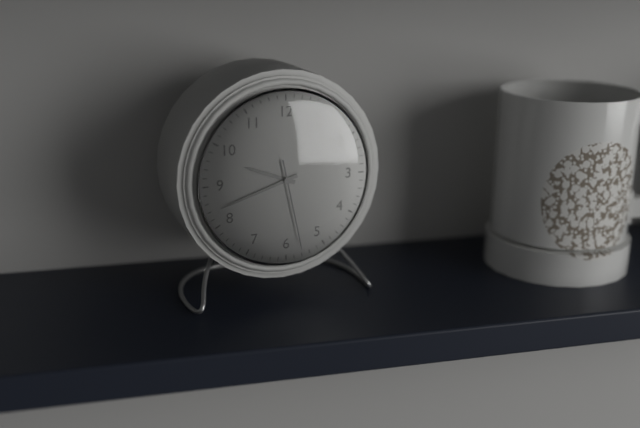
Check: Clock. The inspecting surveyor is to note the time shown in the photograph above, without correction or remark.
9:42:28
